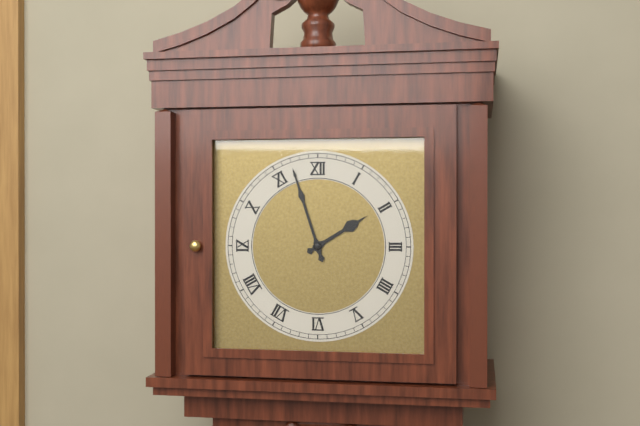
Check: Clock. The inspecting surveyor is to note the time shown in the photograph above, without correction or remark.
1:57
